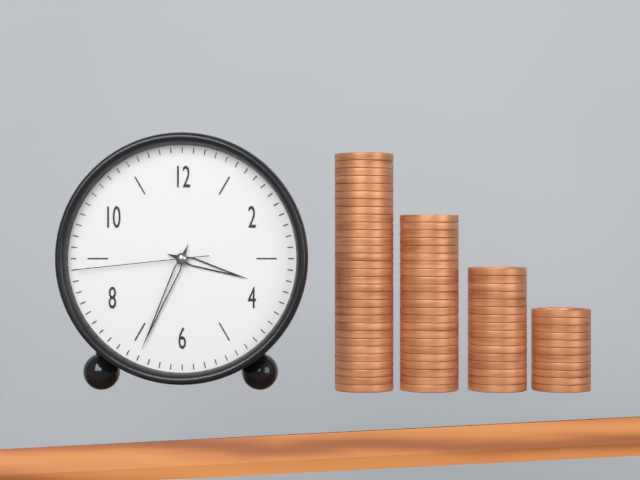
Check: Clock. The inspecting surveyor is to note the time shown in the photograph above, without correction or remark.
3:34:44
